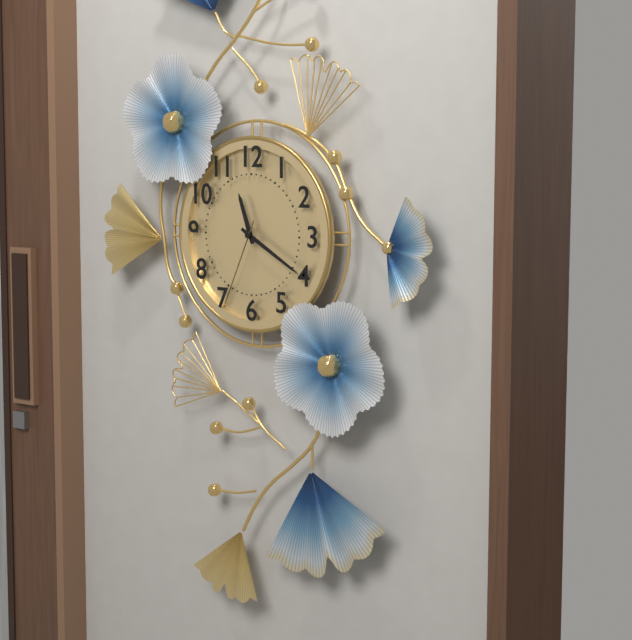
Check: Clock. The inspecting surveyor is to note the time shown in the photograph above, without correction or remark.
11:20:34
